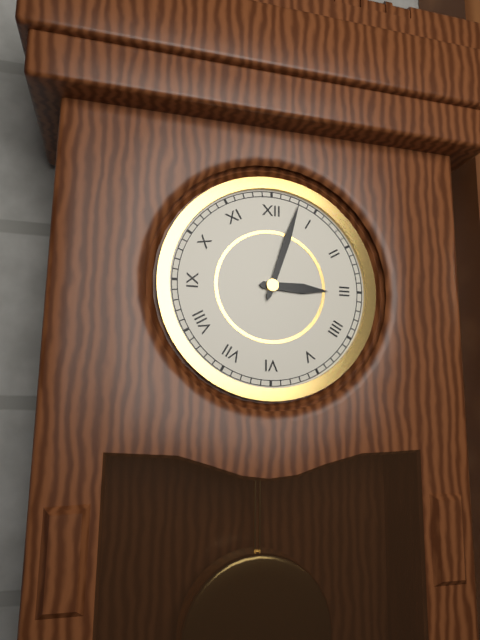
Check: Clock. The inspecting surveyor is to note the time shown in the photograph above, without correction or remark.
3:03
